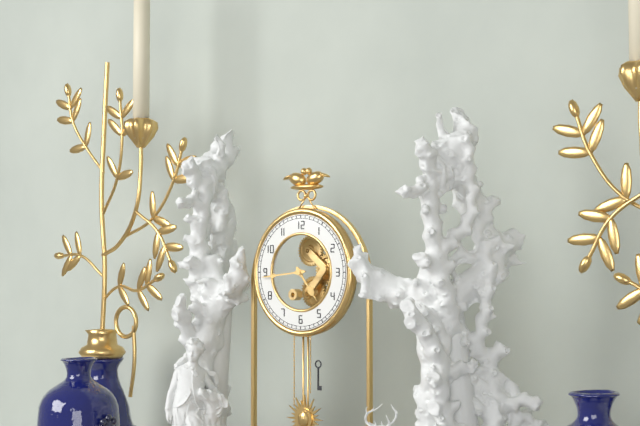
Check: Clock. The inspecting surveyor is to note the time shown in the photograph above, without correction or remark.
4:44
